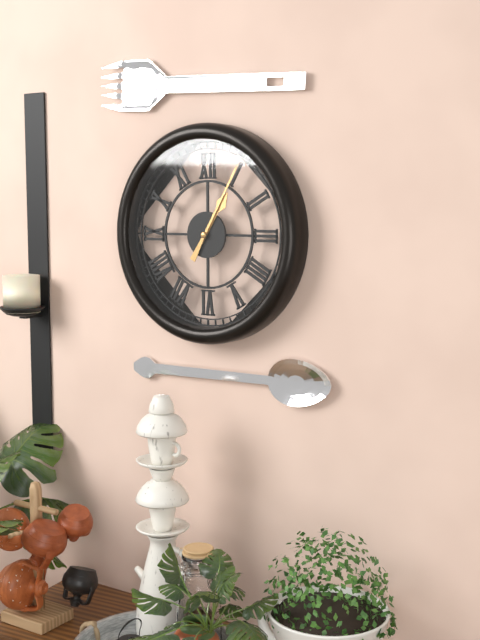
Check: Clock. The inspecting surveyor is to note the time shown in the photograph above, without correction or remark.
1:05
